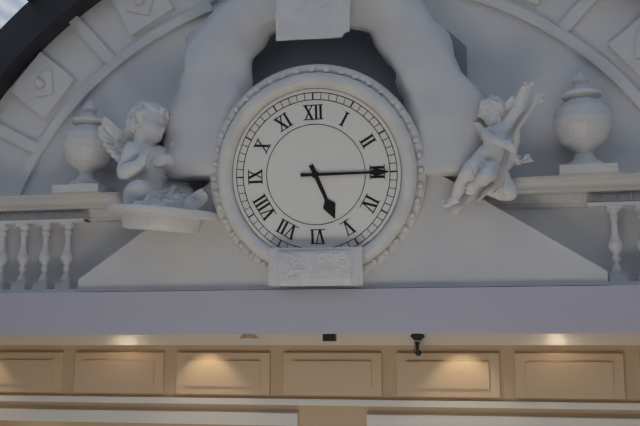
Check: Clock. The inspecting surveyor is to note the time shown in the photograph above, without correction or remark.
5:15
